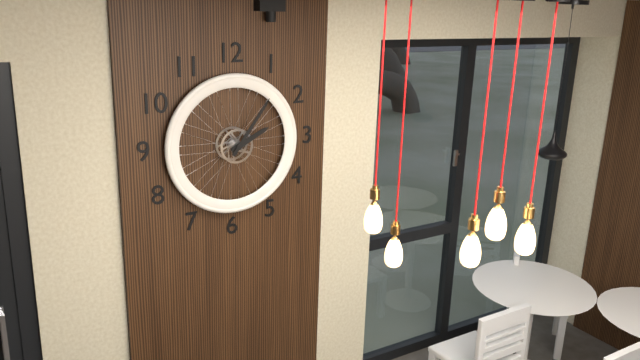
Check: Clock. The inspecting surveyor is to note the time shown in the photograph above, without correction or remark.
2:06
